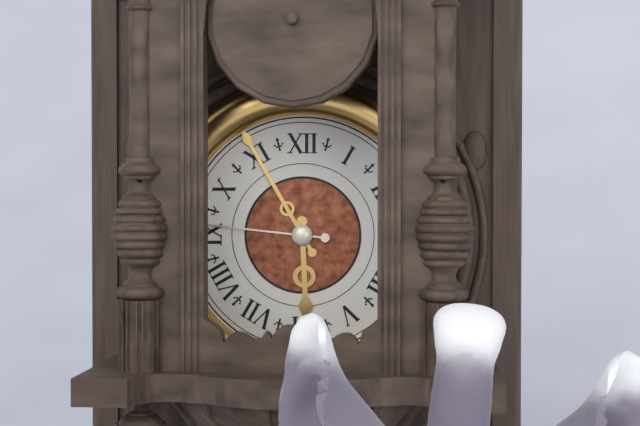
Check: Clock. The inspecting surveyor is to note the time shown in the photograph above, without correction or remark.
5:55:46
